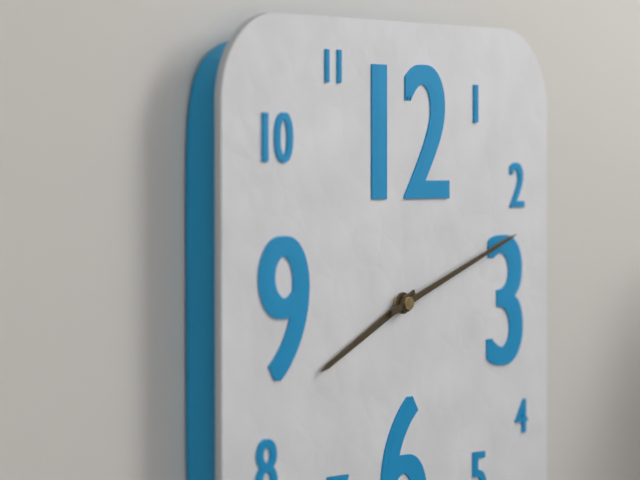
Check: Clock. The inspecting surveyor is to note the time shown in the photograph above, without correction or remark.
8:12
